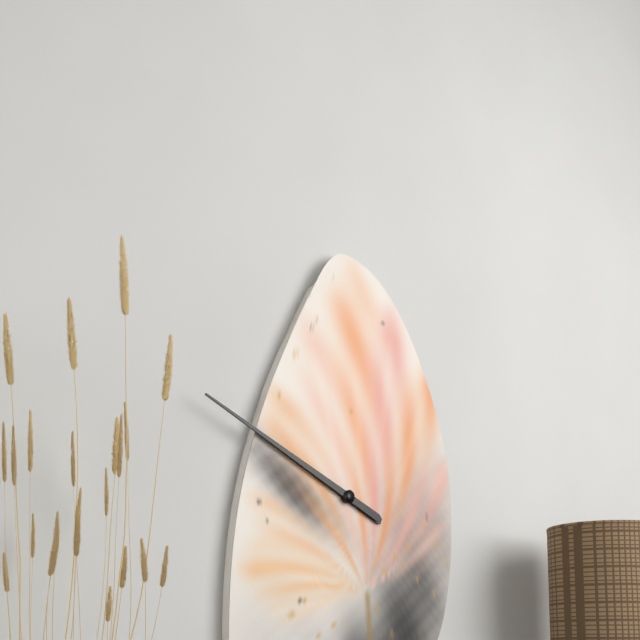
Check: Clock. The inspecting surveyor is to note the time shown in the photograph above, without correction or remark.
9:49
